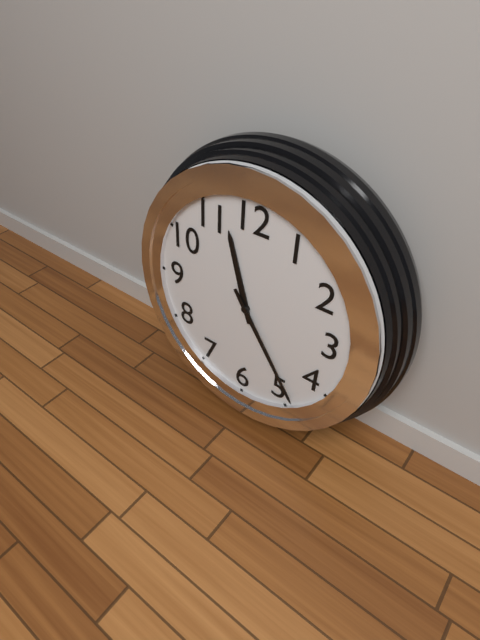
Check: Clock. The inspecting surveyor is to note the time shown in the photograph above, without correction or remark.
11:24
